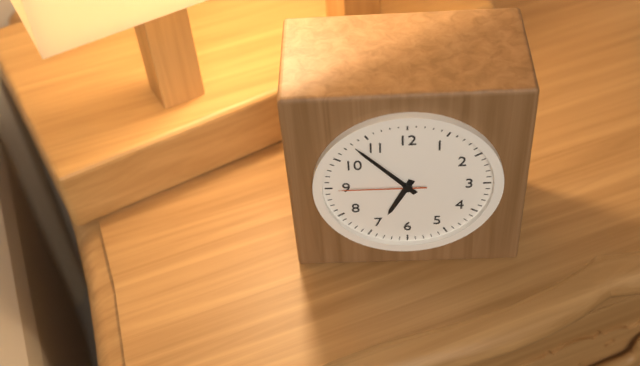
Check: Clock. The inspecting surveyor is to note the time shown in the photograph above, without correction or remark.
6:53:45
